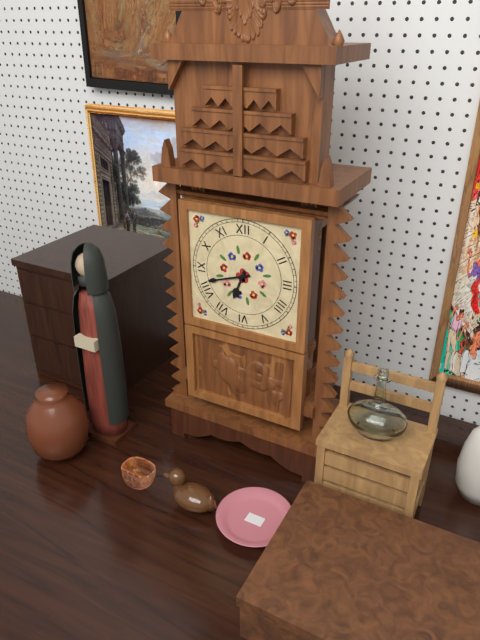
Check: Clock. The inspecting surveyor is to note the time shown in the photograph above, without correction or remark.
6:42
